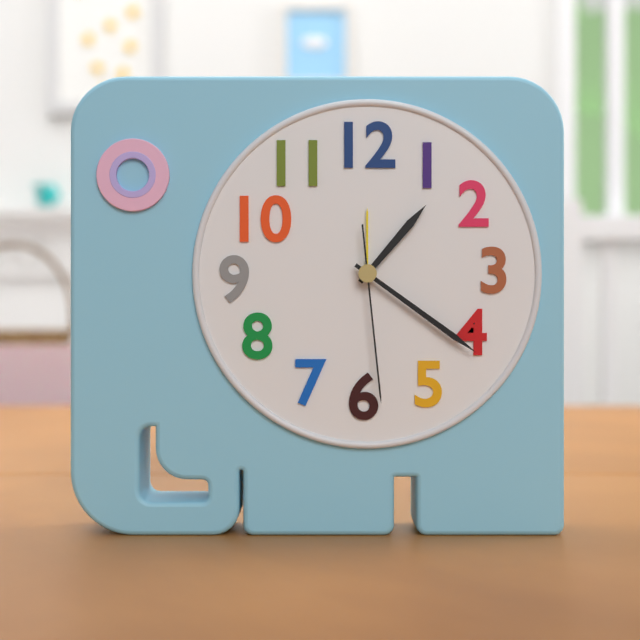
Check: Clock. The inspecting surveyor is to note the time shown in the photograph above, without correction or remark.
1:21:29
